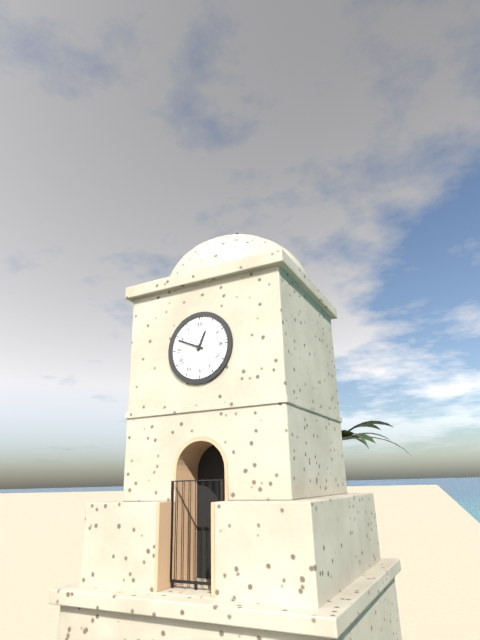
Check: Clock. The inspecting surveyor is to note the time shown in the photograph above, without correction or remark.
12:49
